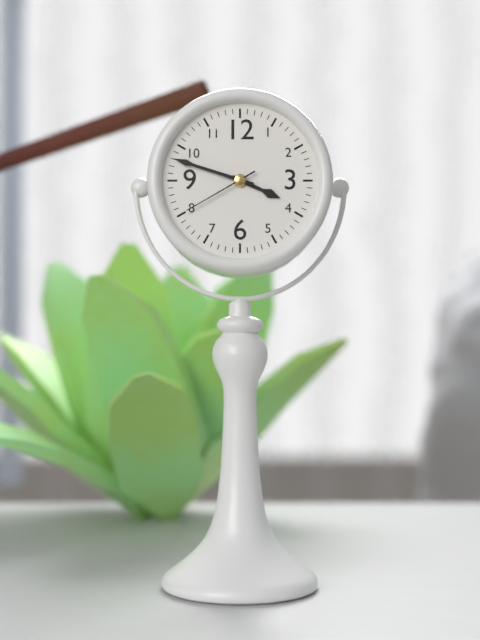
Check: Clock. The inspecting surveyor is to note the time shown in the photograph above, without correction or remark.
3:48:40
